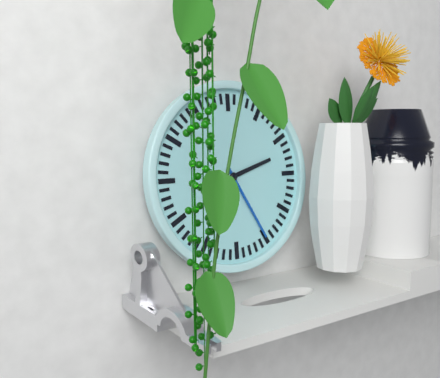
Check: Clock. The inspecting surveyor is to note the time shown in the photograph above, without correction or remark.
2:25
